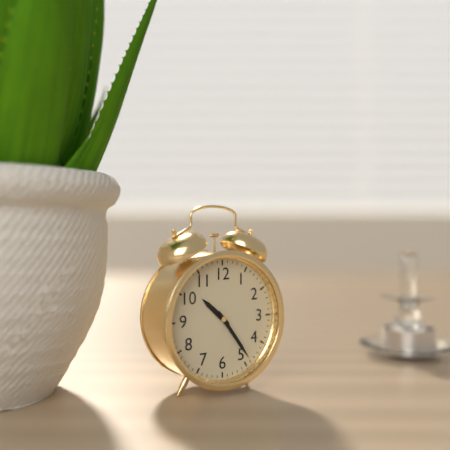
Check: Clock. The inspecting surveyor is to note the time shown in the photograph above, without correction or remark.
10:24
